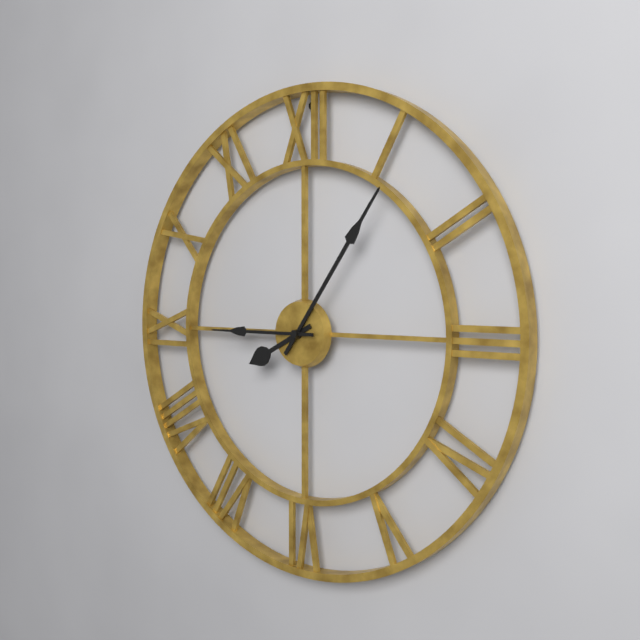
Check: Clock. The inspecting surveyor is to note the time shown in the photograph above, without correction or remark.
8:06:45
